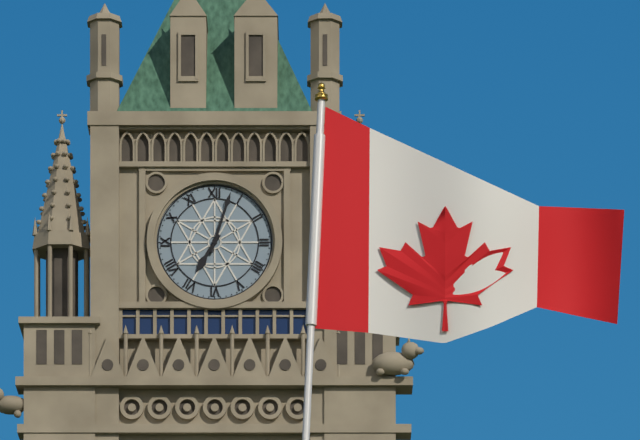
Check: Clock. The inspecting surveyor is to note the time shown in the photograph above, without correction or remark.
7:03
